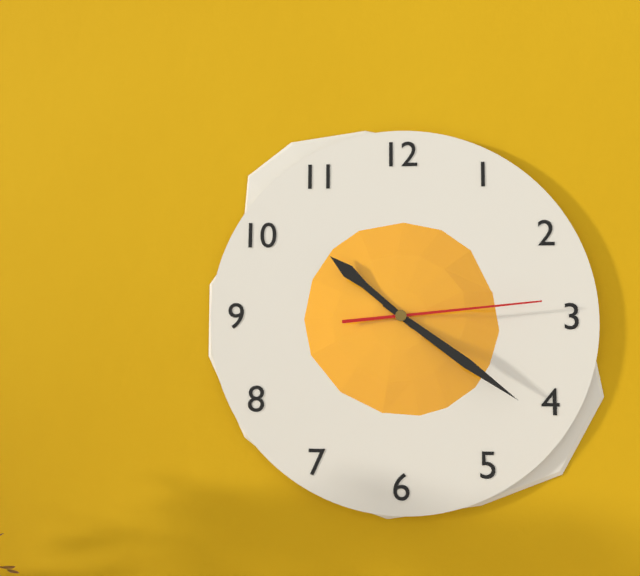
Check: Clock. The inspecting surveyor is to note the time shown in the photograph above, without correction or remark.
10:21:14
